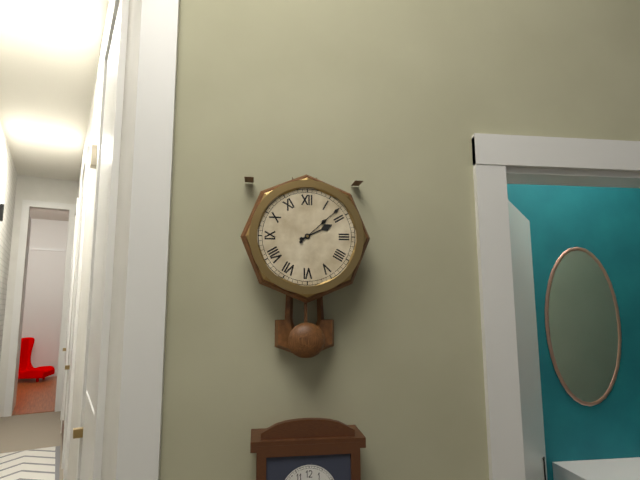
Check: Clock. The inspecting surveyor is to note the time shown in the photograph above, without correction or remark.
2:08
